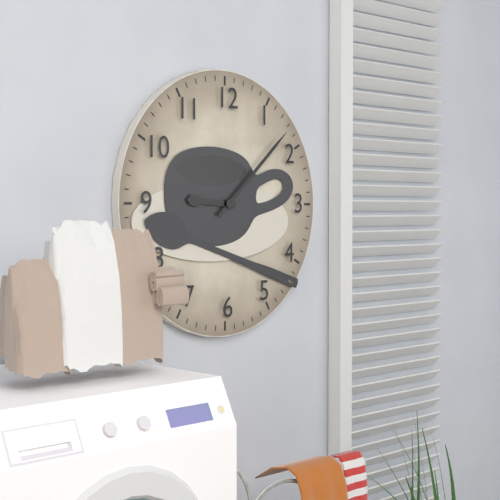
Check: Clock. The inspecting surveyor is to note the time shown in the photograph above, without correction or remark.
9:08
